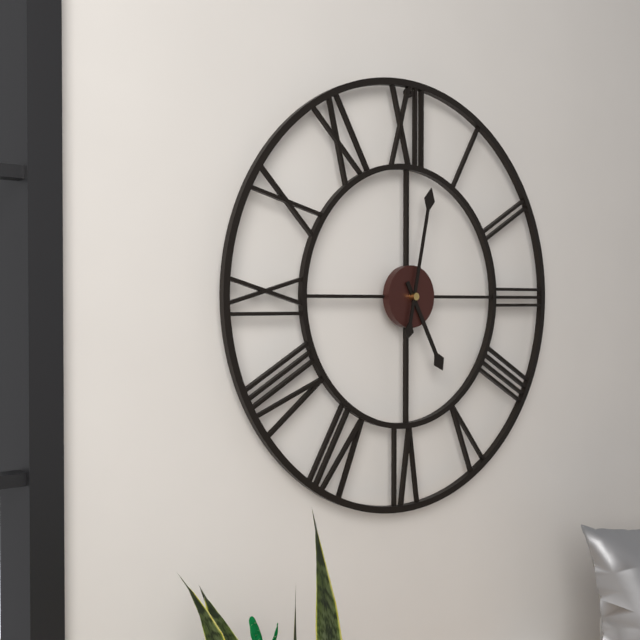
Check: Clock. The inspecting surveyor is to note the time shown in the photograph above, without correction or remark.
5:02
